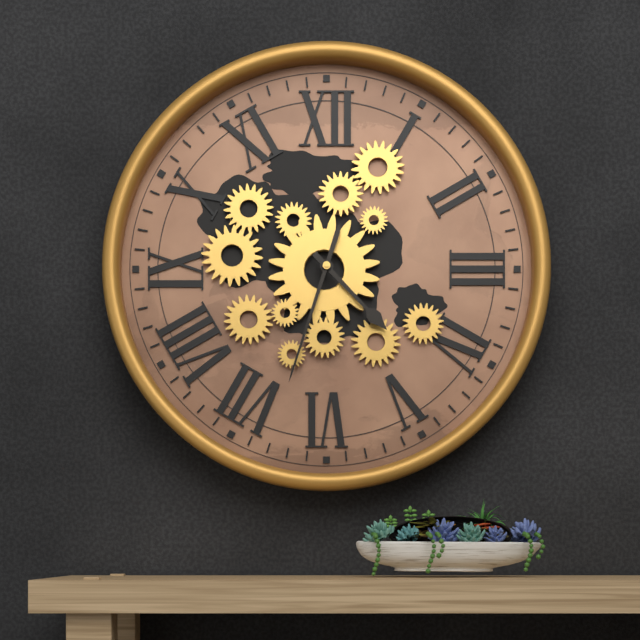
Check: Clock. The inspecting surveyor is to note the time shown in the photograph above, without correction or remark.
4:33
